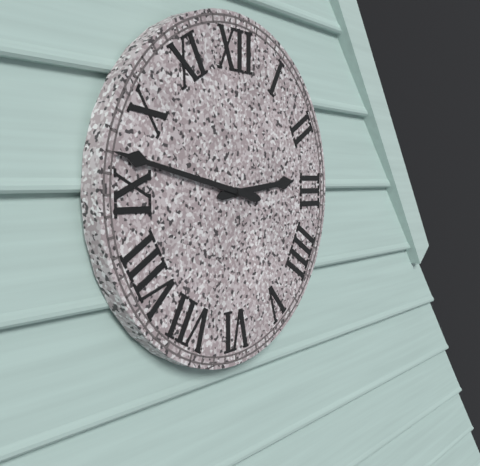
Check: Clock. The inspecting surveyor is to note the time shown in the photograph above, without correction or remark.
2:47
